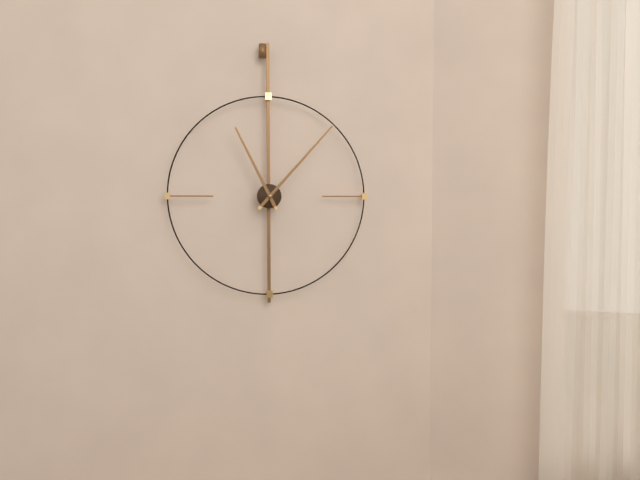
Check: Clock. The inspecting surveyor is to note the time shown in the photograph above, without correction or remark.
11:07
